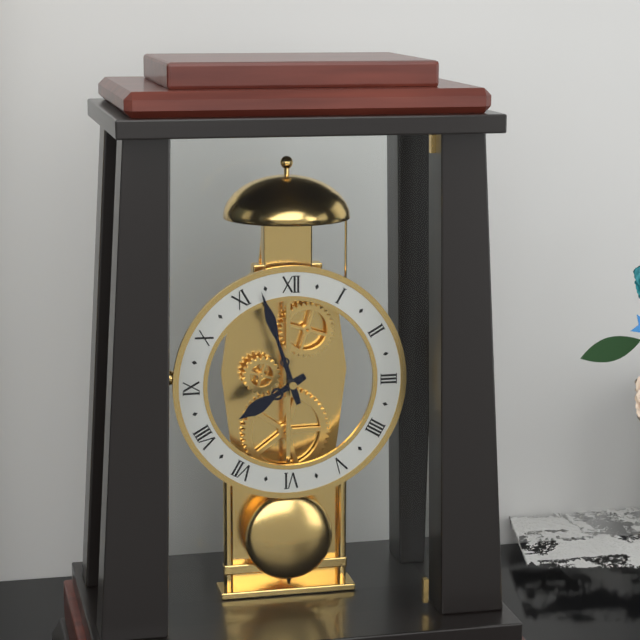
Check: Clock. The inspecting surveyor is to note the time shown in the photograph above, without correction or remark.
7:57
